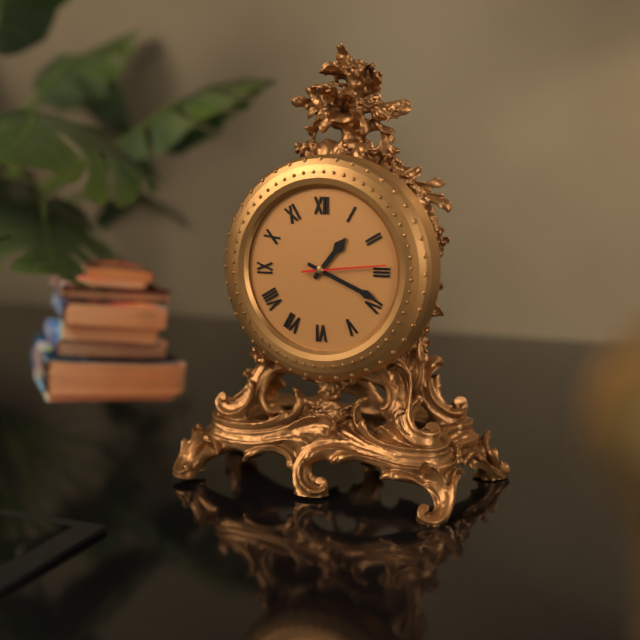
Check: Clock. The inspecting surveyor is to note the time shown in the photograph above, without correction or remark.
1:19:14
